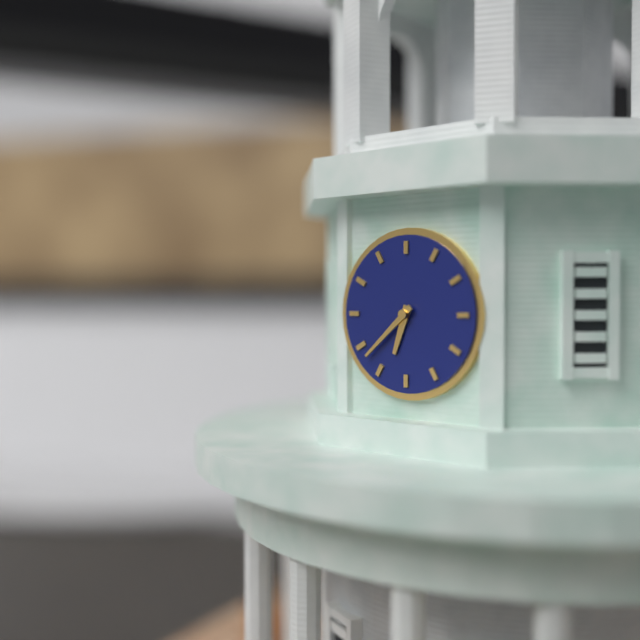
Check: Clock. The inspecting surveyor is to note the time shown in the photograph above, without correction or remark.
6:38
